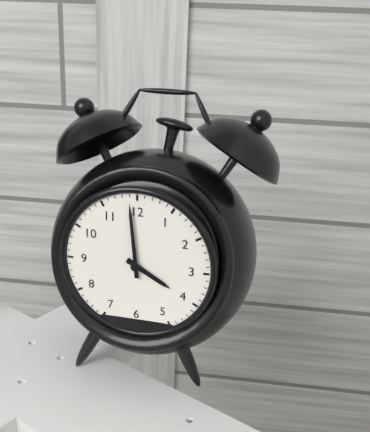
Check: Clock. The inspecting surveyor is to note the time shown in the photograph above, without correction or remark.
3:59
